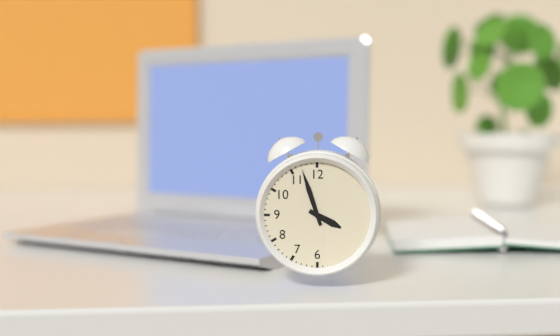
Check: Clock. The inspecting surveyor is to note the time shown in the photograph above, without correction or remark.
3:57
